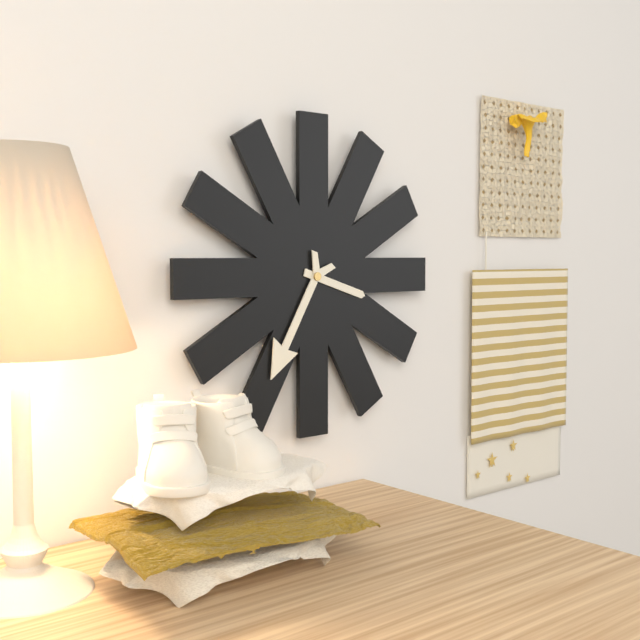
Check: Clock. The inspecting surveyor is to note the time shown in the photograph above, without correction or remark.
3:35
